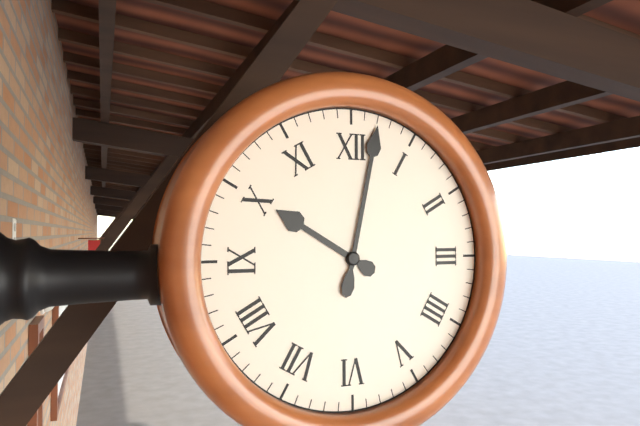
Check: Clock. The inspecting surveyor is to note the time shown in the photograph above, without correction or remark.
10:02
